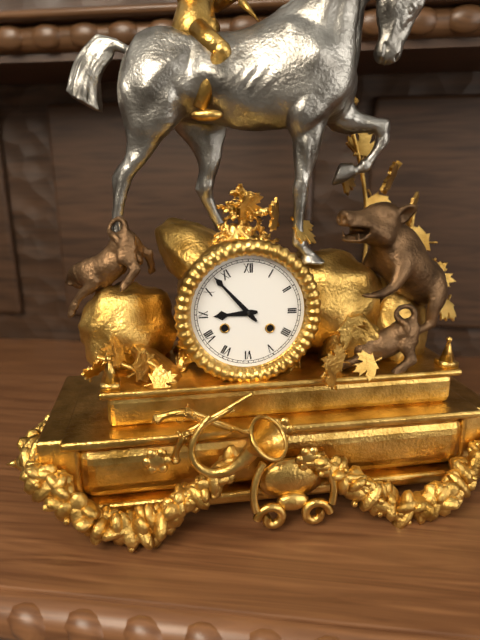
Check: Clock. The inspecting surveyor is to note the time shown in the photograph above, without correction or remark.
8:53
